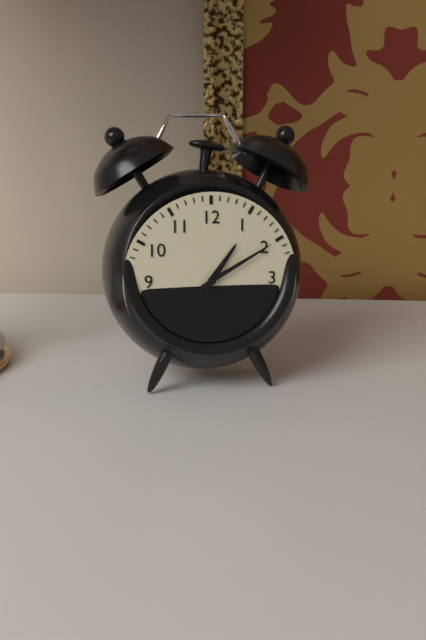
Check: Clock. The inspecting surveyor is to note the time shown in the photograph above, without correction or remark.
1:10
